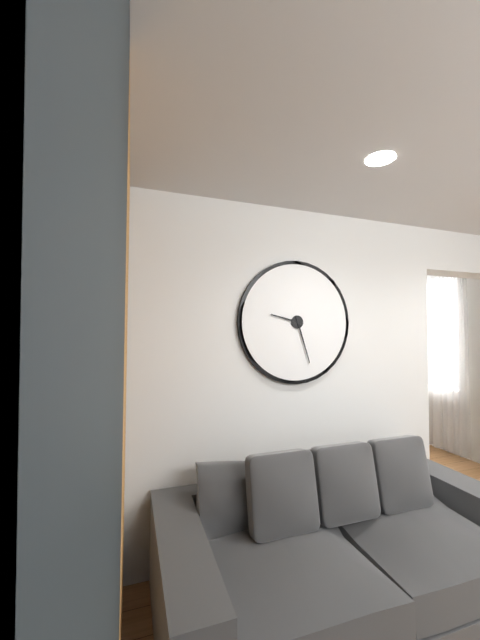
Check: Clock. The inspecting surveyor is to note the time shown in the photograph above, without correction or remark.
9:27
